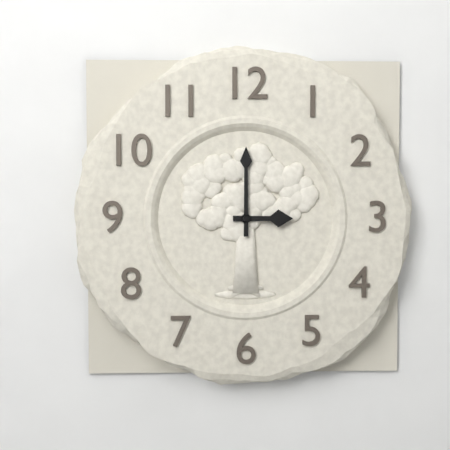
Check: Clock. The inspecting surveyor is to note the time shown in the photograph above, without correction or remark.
3:00
